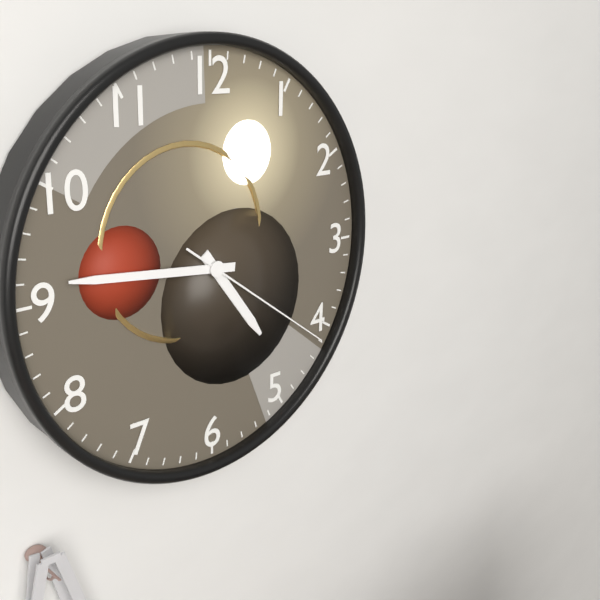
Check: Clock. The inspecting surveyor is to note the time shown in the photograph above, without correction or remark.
4:46:21
